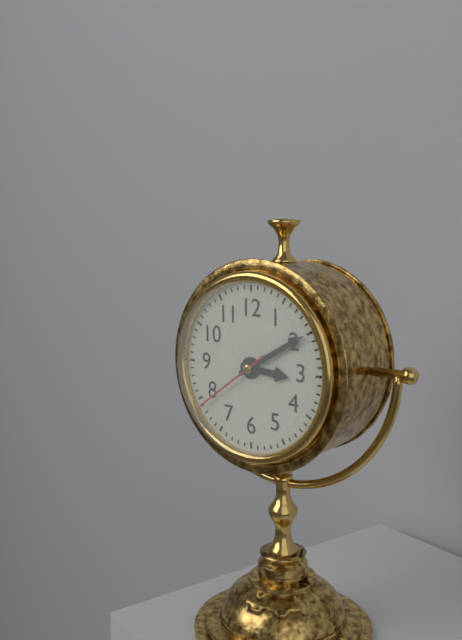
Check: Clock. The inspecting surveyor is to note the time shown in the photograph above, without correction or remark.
3:10:39
